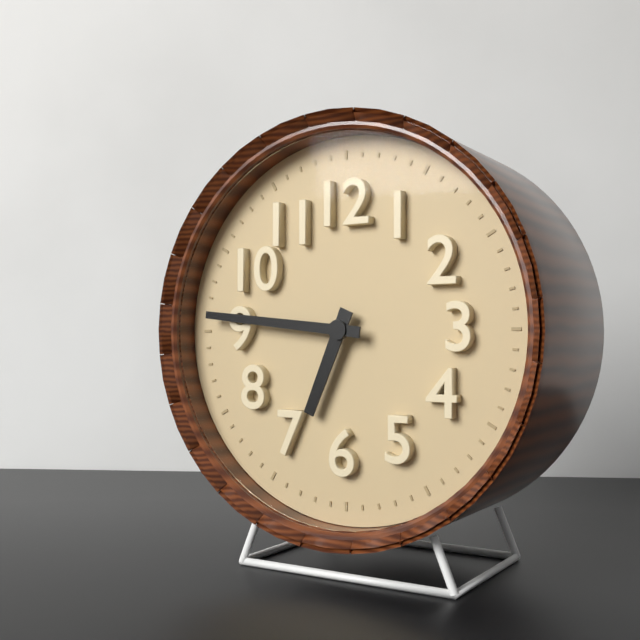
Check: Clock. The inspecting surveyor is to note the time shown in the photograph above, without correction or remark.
6:46
